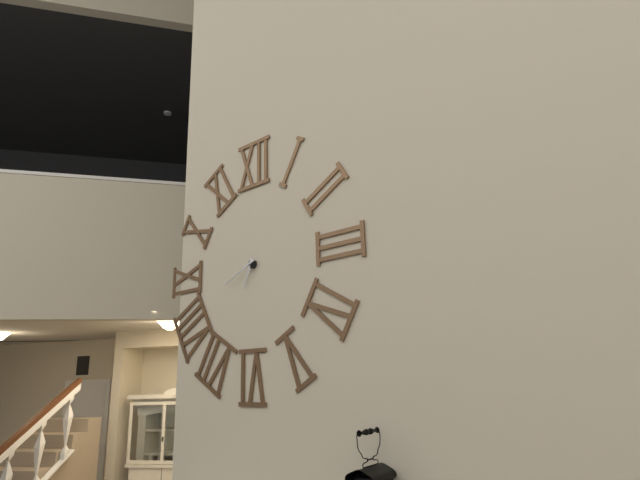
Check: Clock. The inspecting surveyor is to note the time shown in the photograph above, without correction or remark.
6:41
